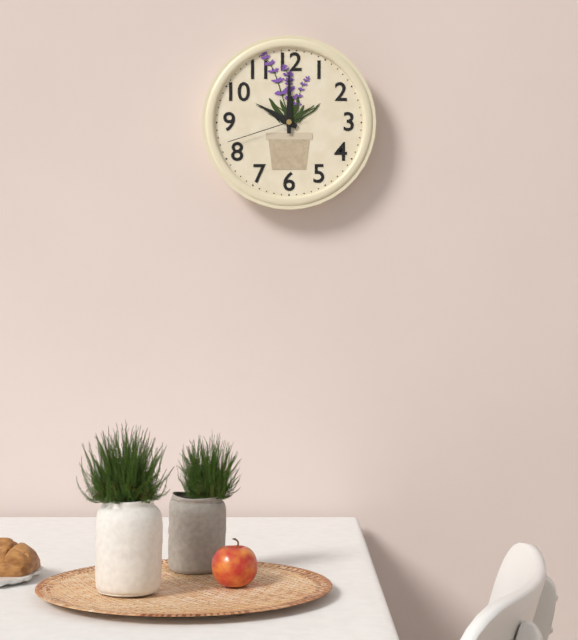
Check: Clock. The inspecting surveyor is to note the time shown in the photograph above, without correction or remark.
10:00:42
